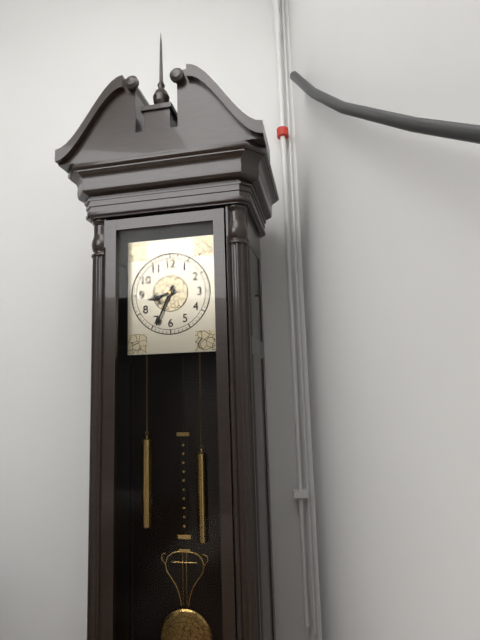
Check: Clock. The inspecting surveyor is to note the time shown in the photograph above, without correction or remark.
8:34
